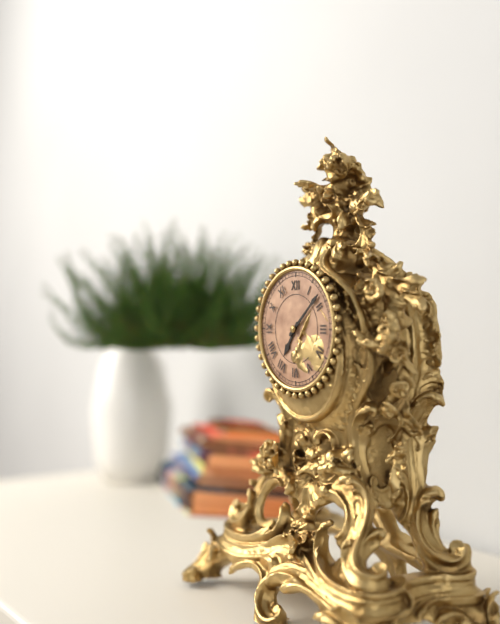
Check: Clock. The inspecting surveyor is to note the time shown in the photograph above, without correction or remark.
7:08
